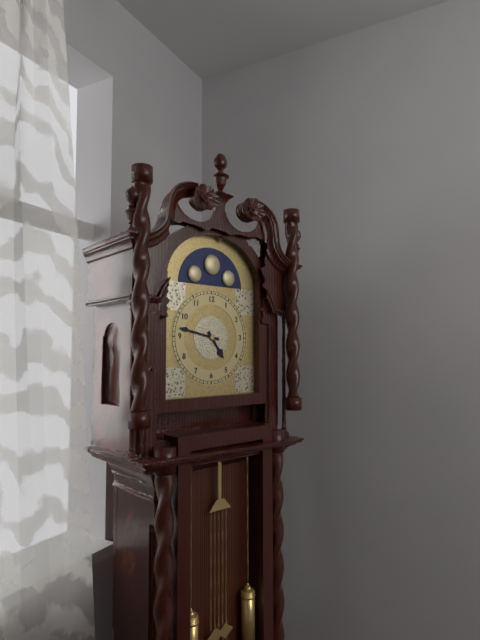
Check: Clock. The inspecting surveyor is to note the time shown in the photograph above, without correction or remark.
4:47
